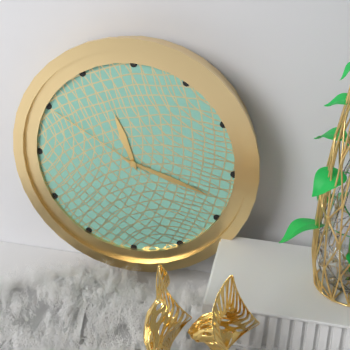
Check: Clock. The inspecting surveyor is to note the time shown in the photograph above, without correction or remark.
11:18:50
